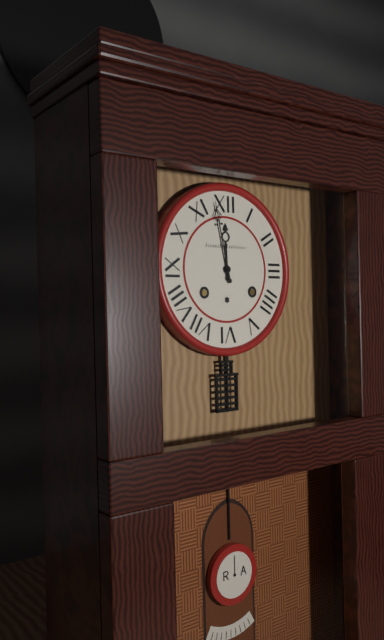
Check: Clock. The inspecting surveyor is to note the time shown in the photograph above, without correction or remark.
11:58
